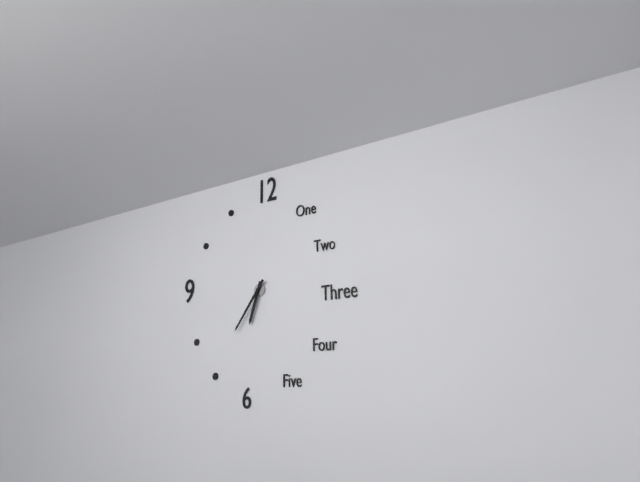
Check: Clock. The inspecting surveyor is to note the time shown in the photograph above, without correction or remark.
6:36
